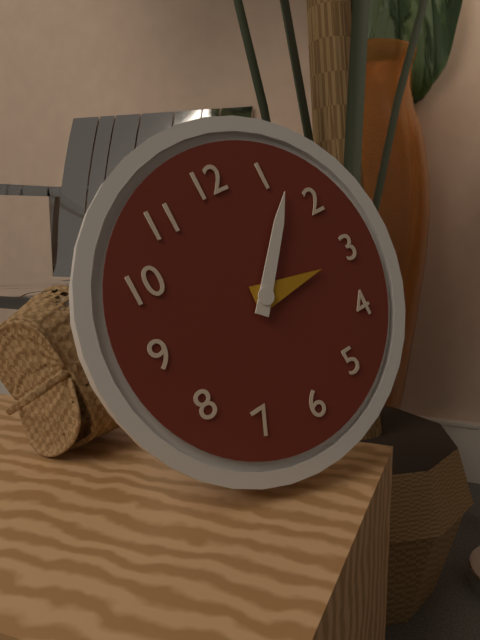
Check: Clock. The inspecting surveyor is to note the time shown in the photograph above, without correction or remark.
3:07
